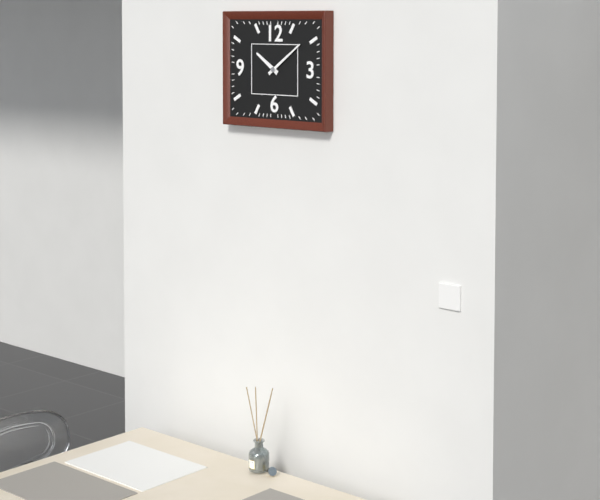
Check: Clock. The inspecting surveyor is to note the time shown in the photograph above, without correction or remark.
10:09
